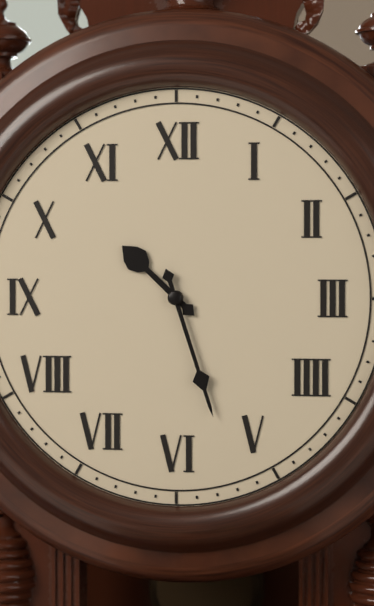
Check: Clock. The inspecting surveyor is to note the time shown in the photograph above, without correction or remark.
10:27
